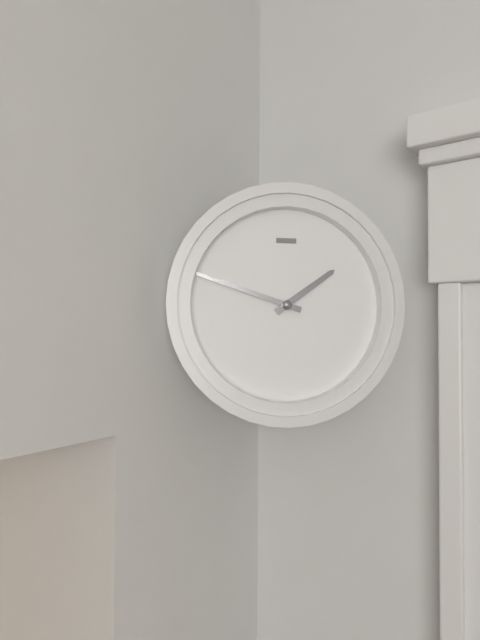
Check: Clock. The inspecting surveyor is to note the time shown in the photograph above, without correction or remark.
1:48
